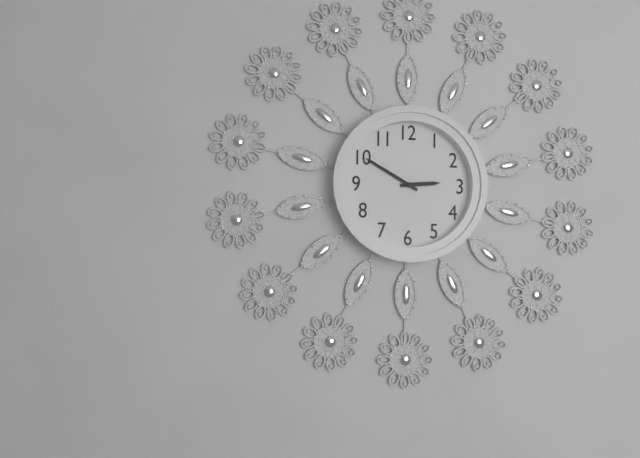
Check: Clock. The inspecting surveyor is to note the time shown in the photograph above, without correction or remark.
2:50
